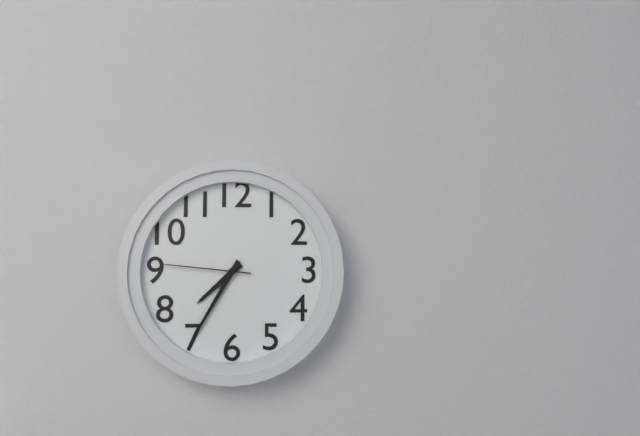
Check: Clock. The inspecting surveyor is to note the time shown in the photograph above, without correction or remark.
7:35:46
